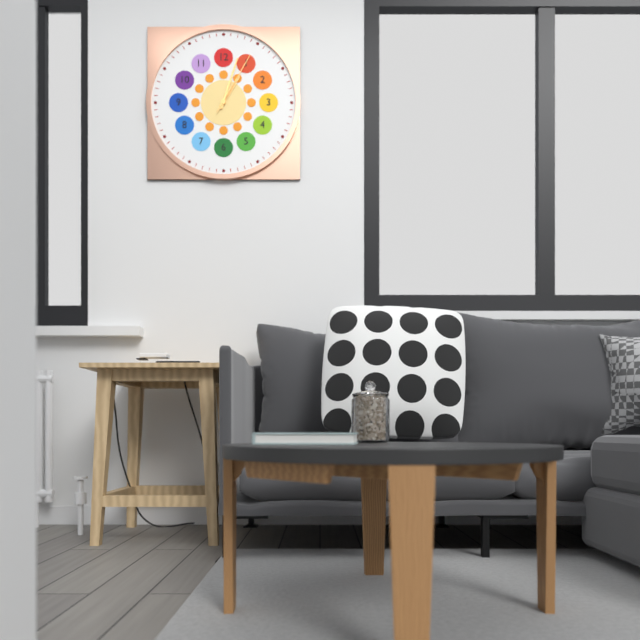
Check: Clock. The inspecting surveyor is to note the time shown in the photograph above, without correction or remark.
1:03:05
